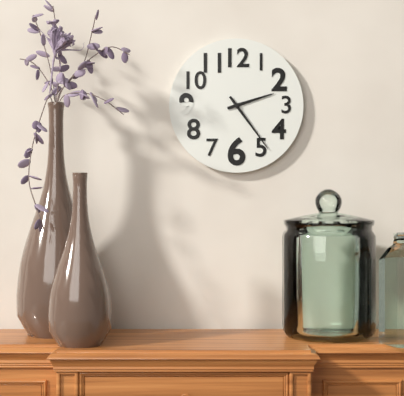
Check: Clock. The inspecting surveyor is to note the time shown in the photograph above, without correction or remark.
2:24
